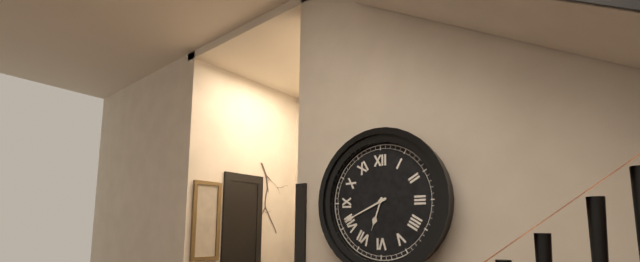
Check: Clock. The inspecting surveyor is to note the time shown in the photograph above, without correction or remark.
6:41
